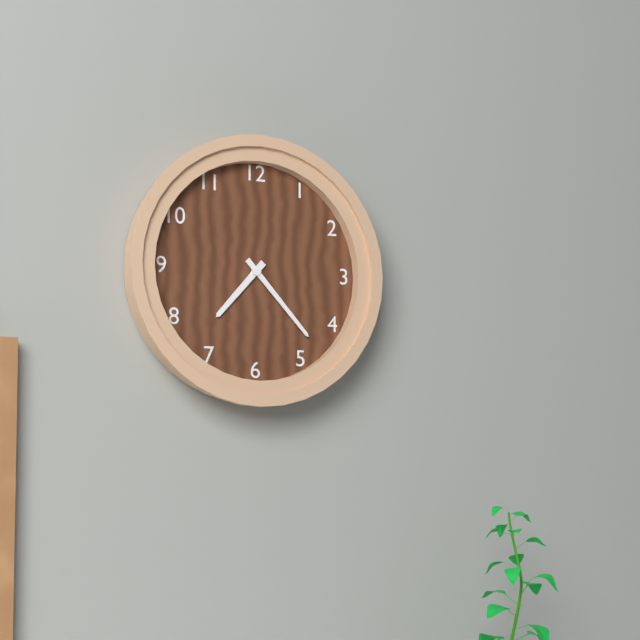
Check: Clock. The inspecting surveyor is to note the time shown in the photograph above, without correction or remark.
7:23
